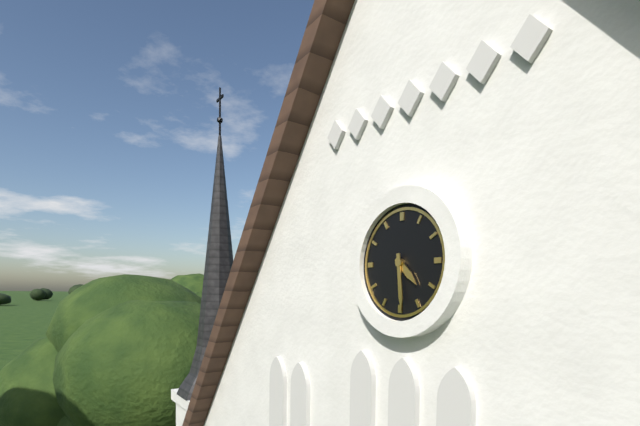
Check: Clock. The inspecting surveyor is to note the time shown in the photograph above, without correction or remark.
4:29
